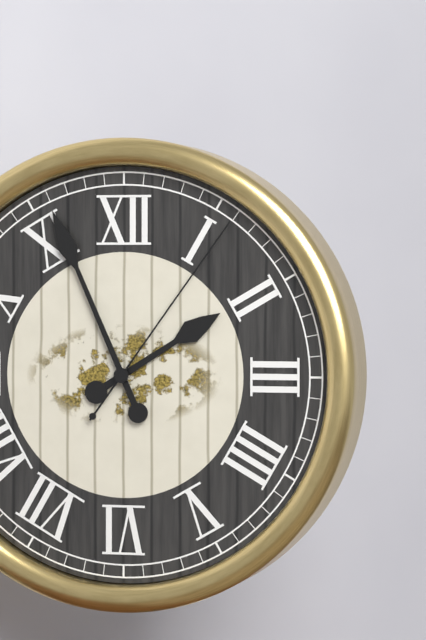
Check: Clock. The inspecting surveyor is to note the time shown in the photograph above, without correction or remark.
1:56:06
